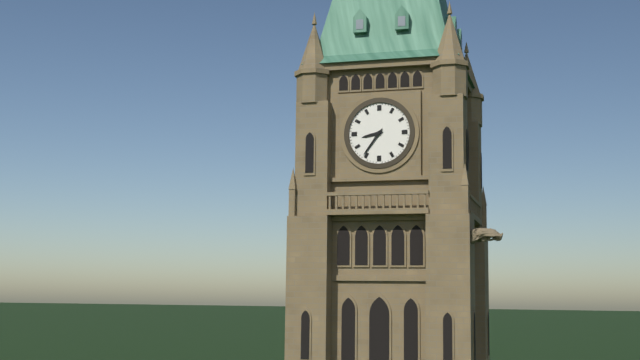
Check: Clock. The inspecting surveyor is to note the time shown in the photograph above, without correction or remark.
8:36
